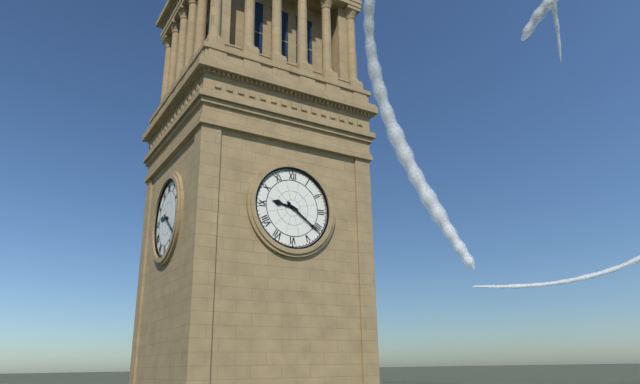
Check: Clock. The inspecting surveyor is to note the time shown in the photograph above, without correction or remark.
9:21
